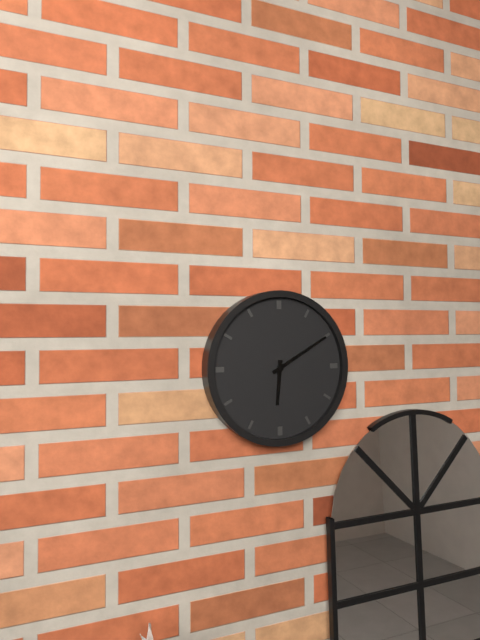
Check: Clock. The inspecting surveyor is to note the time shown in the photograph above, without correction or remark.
6:10
